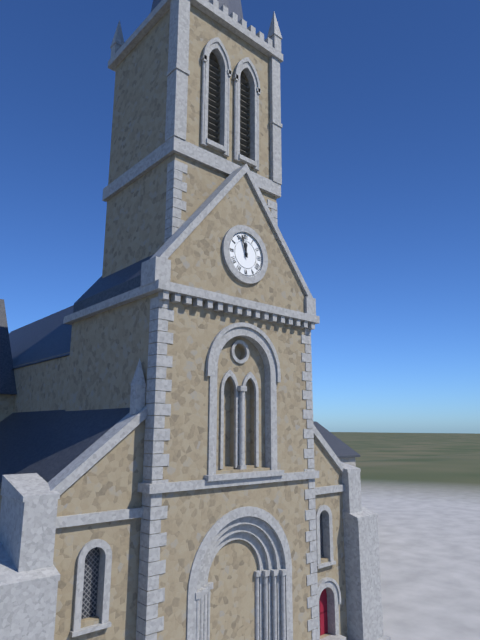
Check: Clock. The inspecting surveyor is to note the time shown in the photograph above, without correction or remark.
11:57
